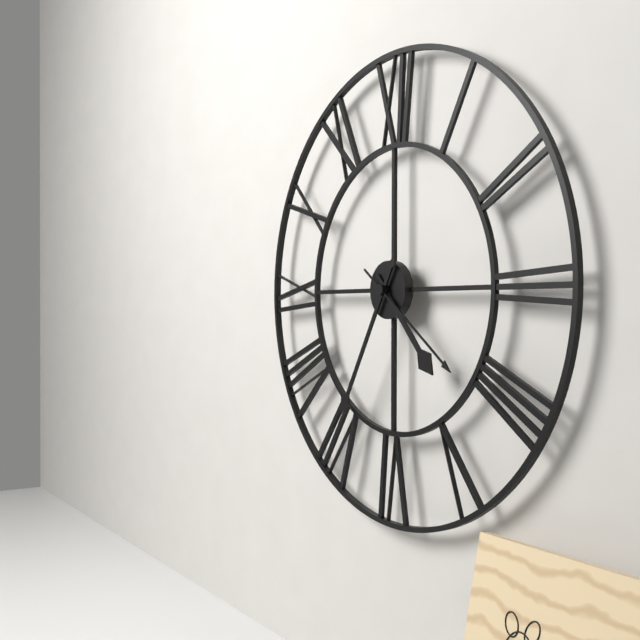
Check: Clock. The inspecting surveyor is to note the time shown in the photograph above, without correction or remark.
4:35:21
